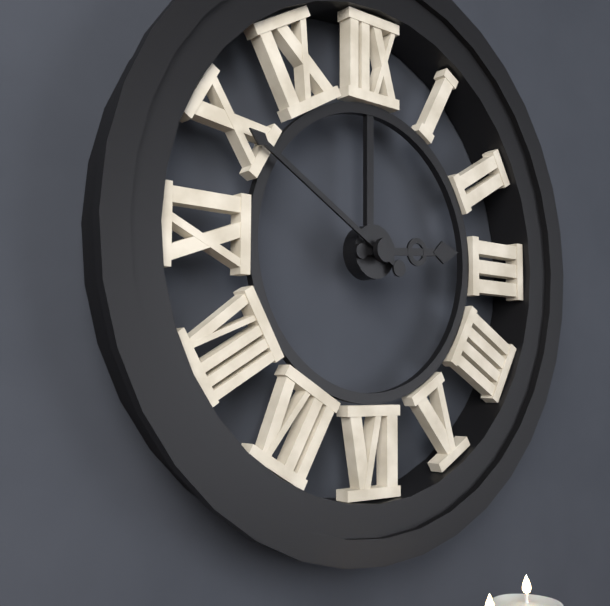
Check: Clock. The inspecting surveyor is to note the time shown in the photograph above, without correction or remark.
2:50
